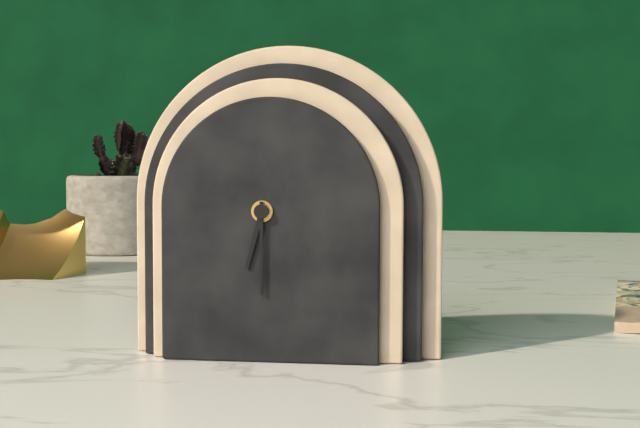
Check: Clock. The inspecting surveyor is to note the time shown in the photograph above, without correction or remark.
6:30
